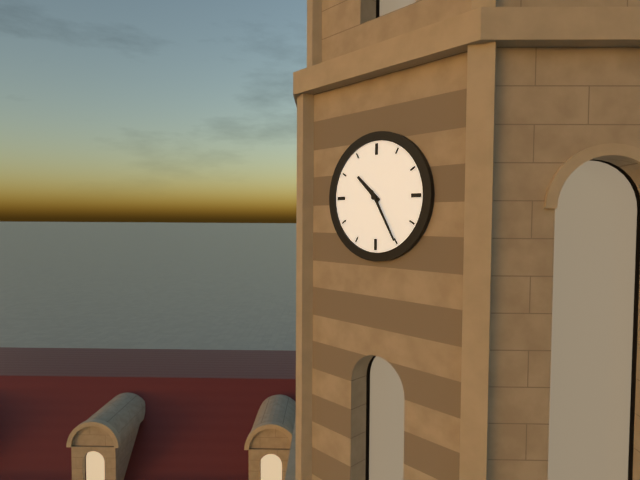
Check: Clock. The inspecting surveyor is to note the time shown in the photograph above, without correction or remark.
10:25
